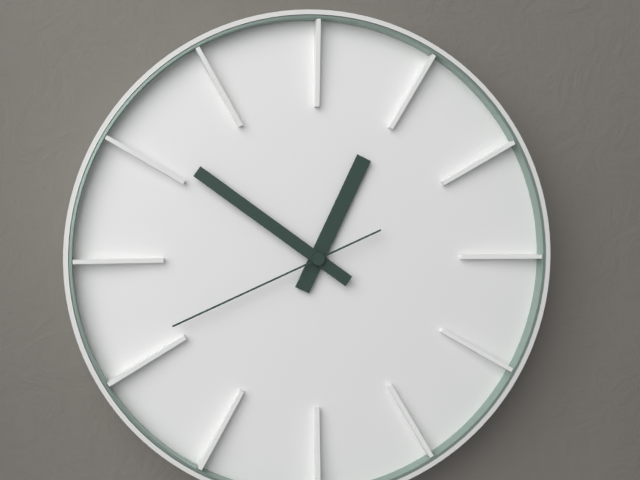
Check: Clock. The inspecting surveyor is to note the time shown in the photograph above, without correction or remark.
12:51:41
